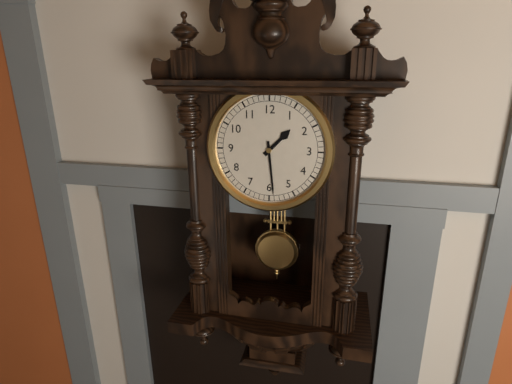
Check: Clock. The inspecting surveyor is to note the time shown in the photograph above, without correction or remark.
1:29
